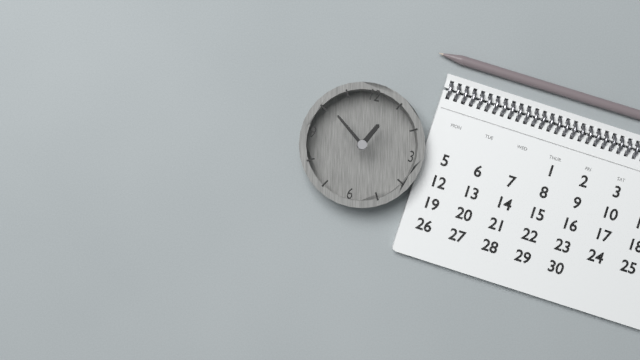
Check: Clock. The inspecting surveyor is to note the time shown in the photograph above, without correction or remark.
12:51
